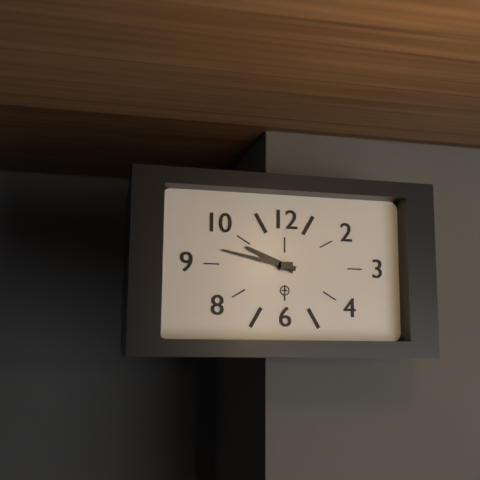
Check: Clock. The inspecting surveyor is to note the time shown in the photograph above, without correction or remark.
9:47
